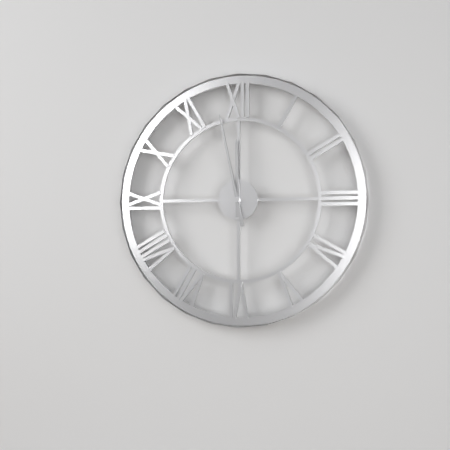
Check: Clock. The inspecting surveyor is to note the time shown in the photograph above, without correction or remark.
11:58
